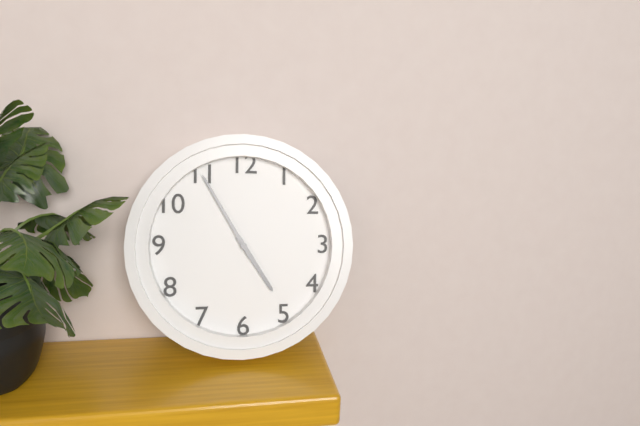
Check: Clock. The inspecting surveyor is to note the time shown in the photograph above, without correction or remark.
4:55
